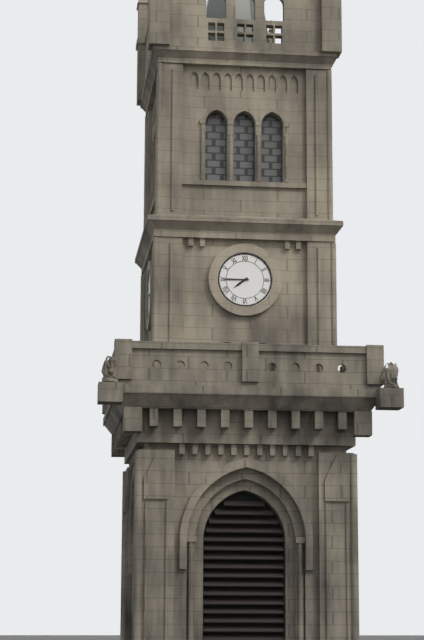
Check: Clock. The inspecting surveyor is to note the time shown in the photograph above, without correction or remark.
7:45
